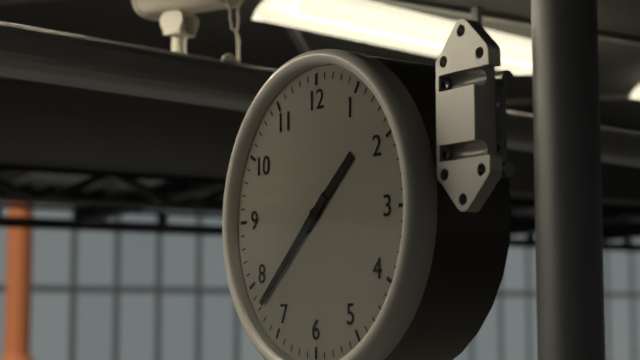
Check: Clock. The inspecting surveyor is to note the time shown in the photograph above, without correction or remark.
1:38
